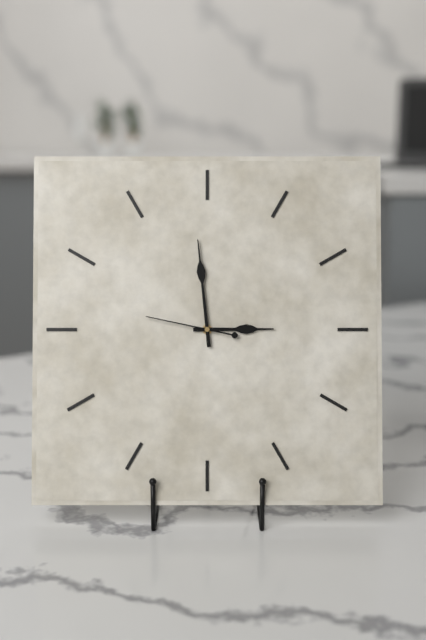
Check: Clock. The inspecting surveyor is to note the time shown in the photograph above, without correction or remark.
2:59:47
